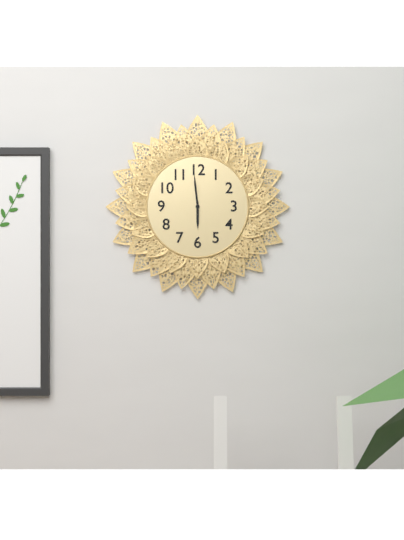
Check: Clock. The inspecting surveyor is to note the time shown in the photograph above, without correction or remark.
5:59
